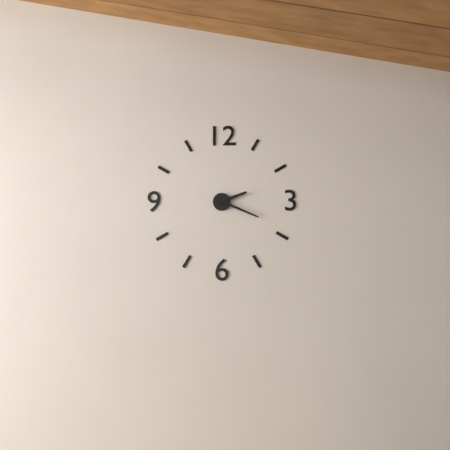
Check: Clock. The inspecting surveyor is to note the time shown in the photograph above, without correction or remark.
2:19
